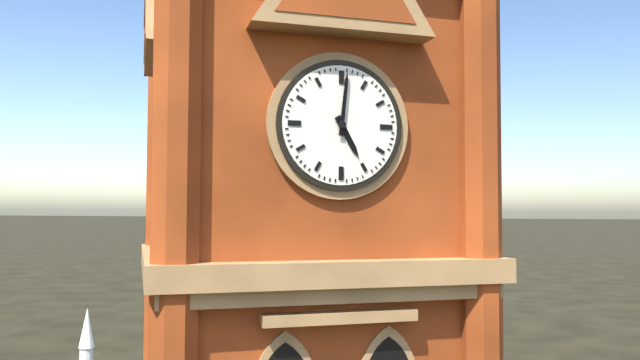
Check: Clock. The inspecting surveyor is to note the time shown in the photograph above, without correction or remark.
5:01
